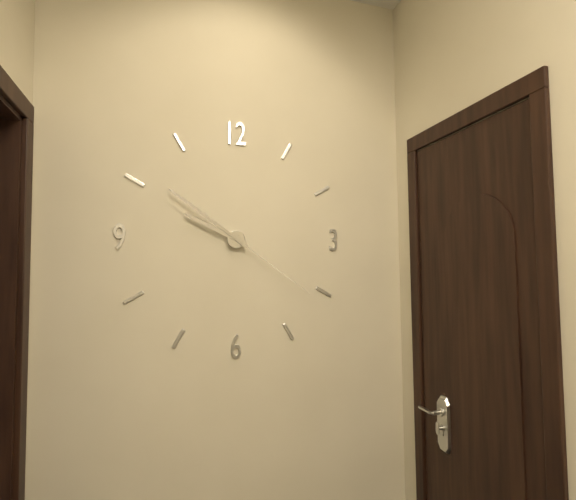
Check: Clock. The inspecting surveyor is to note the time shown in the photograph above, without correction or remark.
9:51:21
